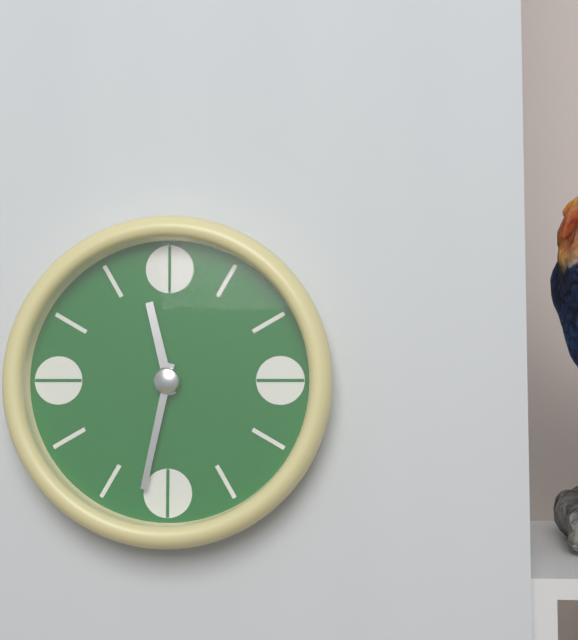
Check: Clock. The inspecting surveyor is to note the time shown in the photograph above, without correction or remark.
11:32
